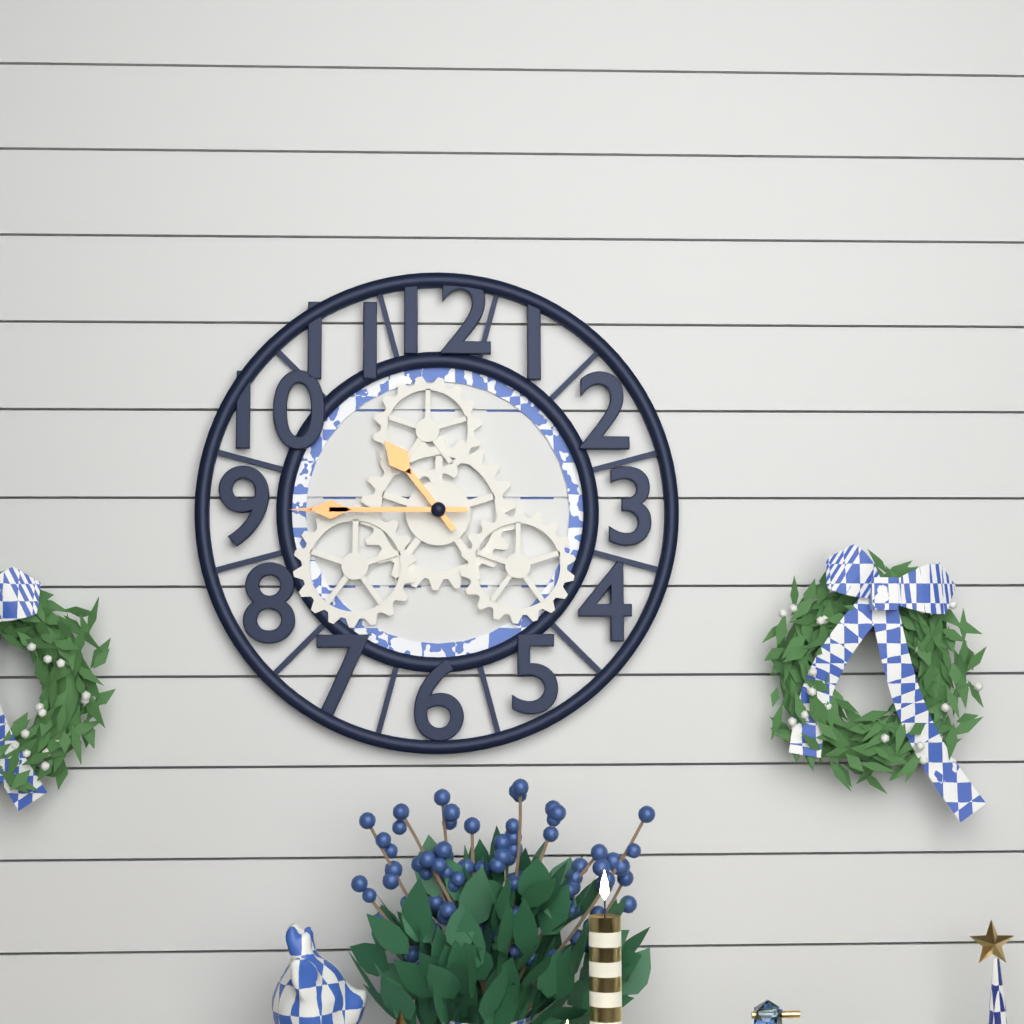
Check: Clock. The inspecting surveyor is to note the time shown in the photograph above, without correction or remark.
10:45
